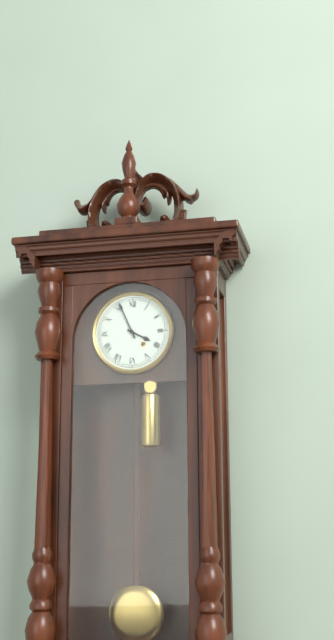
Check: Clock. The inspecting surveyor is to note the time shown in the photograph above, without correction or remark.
3:56
